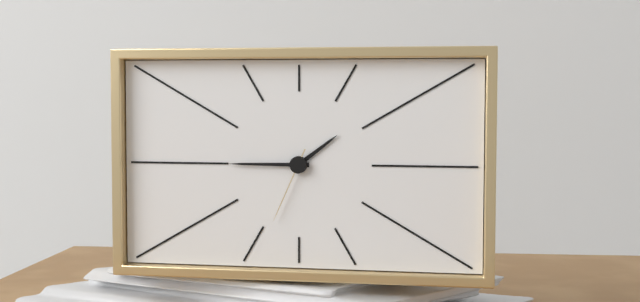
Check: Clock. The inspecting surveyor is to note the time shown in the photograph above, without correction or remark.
1:45:34
